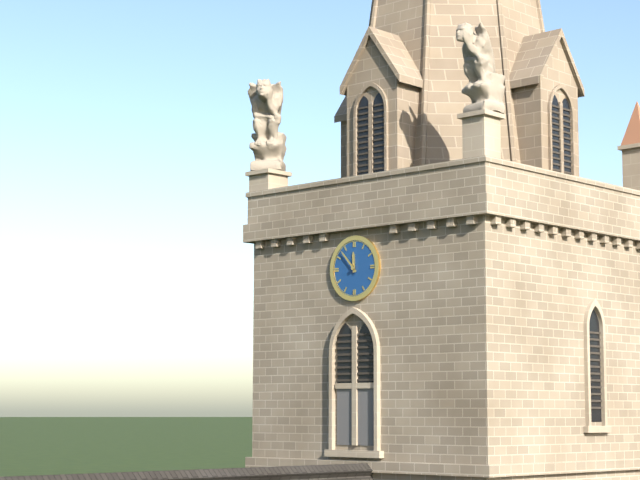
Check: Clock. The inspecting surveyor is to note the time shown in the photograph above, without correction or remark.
11:53
